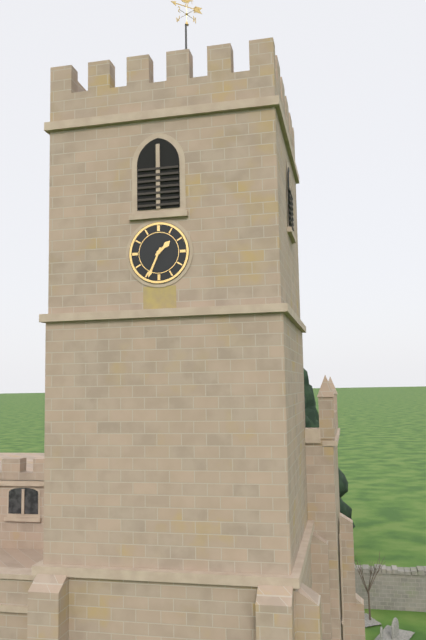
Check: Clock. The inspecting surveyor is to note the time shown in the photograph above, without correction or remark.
1:34
